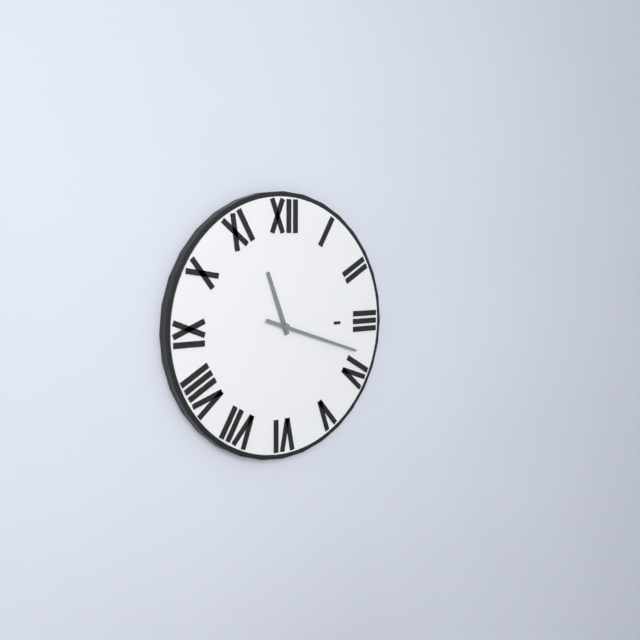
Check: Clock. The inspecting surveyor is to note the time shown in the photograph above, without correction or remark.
11:18
